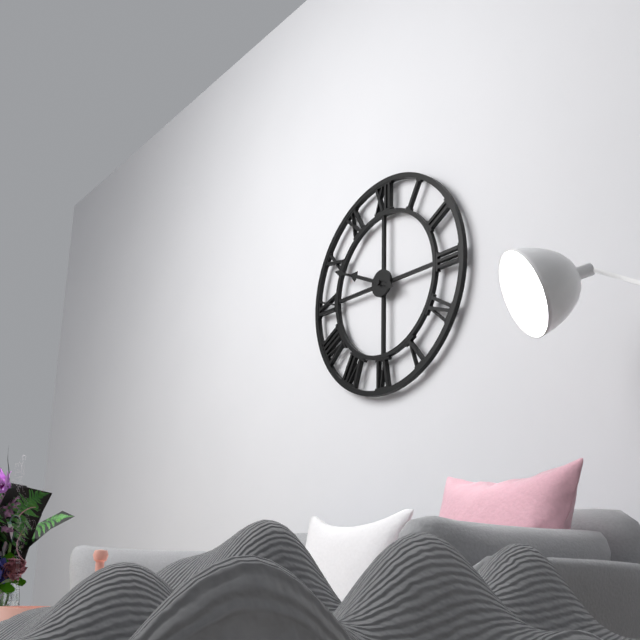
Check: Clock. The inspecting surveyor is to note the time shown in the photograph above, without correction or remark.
9:49
